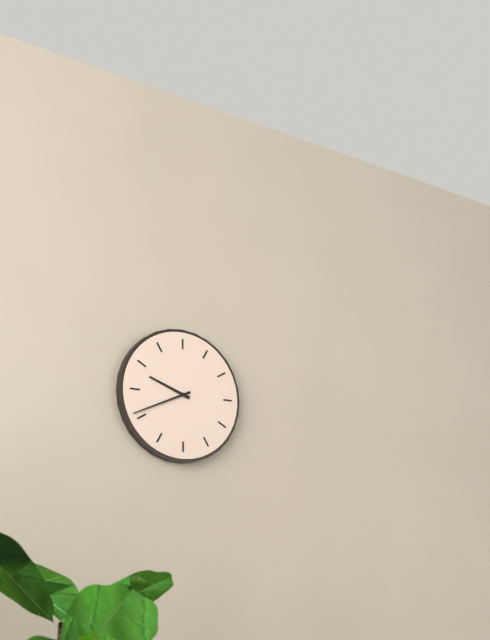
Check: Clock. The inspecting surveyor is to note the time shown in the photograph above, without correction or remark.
9:41
